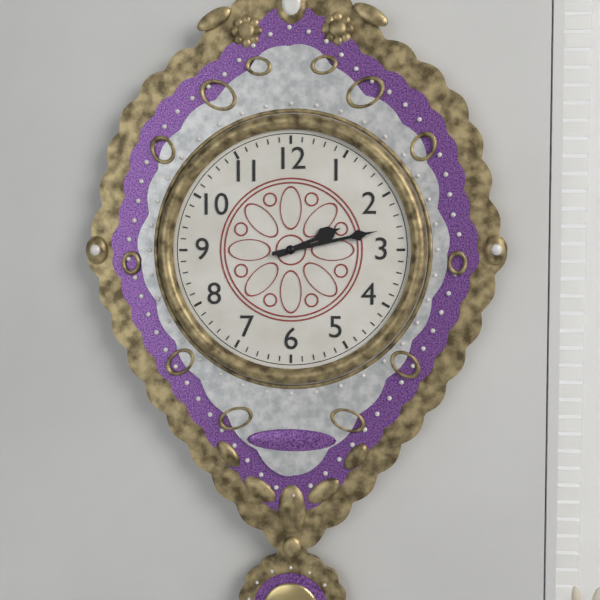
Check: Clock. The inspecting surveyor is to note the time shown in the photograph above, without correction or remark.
2:13
